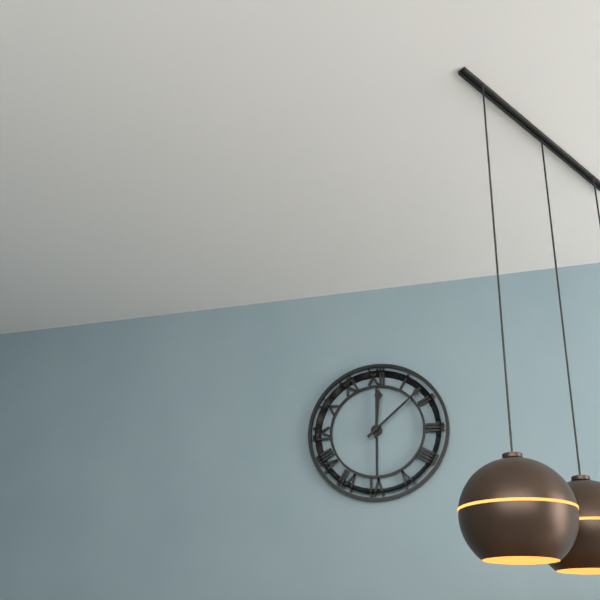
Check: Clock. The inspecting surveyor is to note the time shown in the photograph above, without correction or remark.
12:08
